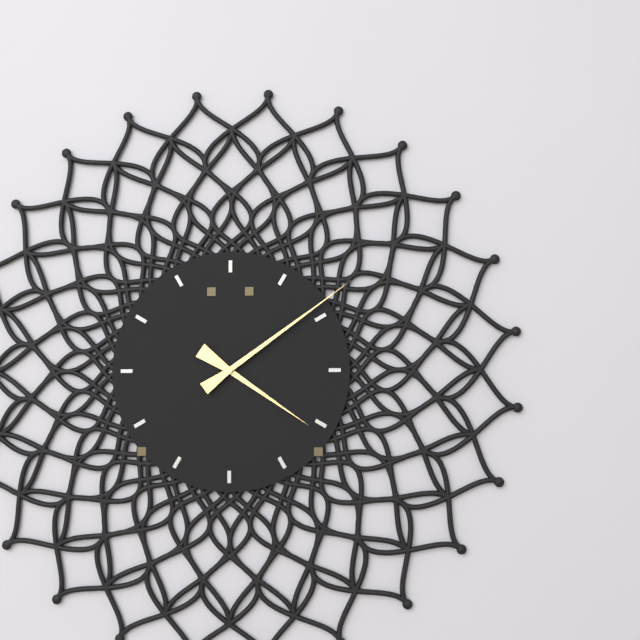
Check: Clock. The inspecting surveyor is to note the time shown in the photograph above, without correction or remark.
4:09
